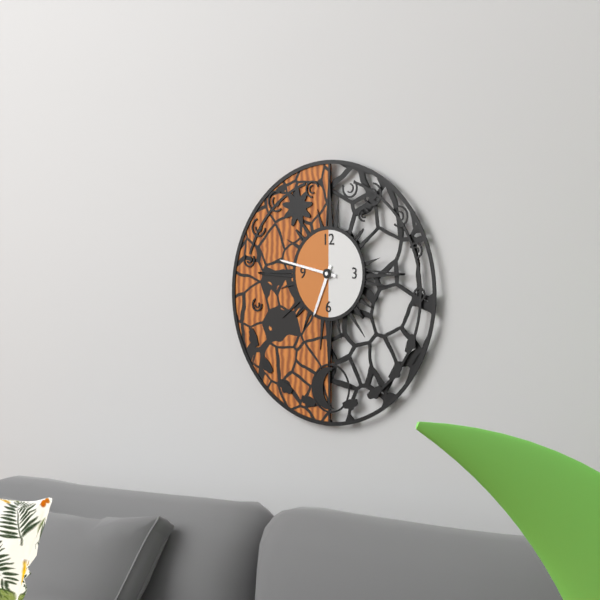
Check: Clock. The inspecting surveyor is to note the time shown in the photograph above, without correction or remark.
6:47
